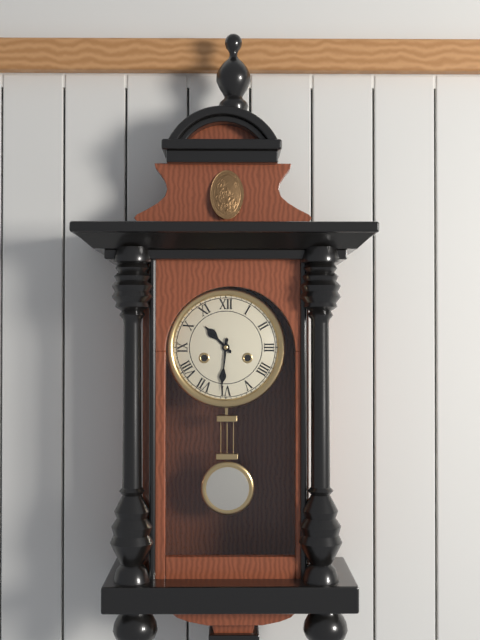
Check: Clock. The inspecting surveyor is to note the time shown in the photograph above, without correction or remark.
10:31
